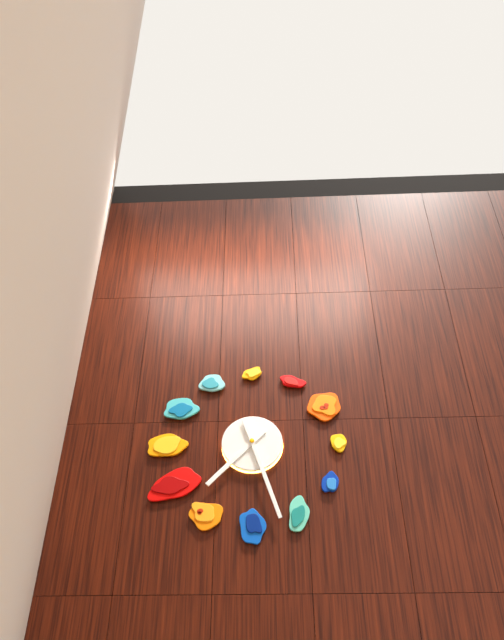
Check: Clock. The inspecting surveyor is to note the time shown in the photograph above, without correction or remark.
7:27
